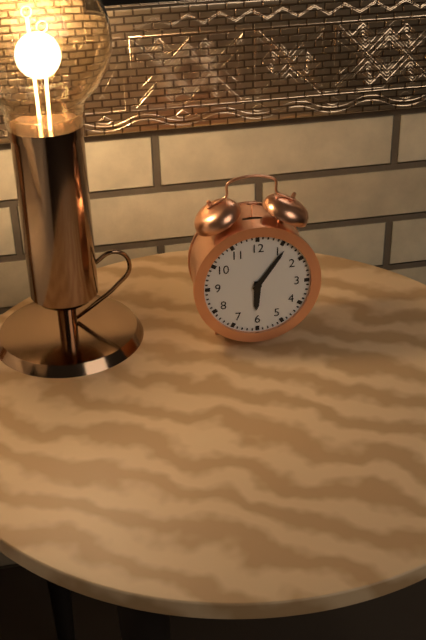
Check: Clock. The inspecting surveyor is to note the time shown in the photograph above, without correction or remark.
6:06
